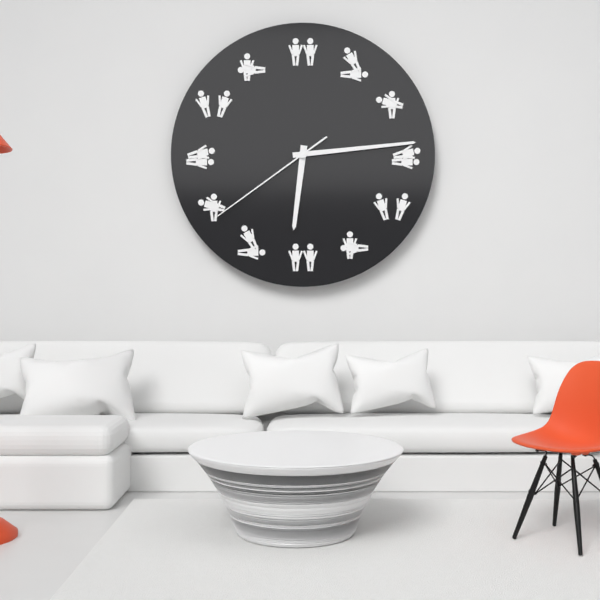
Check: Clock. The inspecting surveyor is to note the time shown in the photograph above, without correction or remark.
6:14:39
